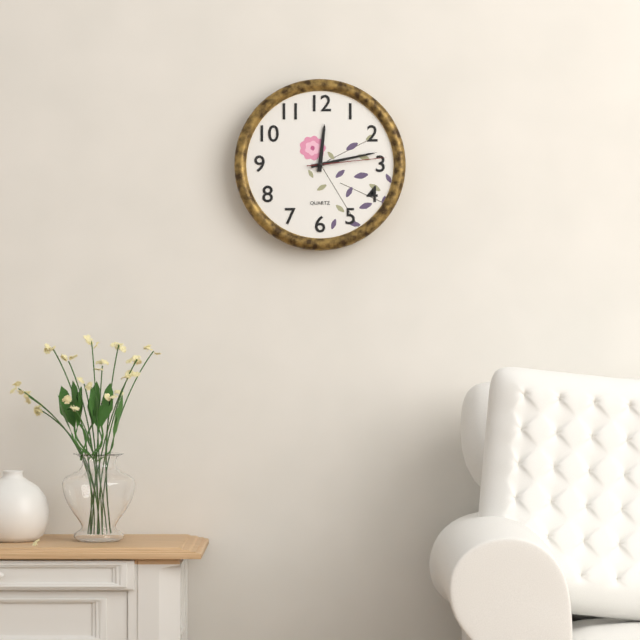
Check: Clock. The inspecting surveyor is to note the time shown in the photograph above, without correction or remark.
12:13:14
